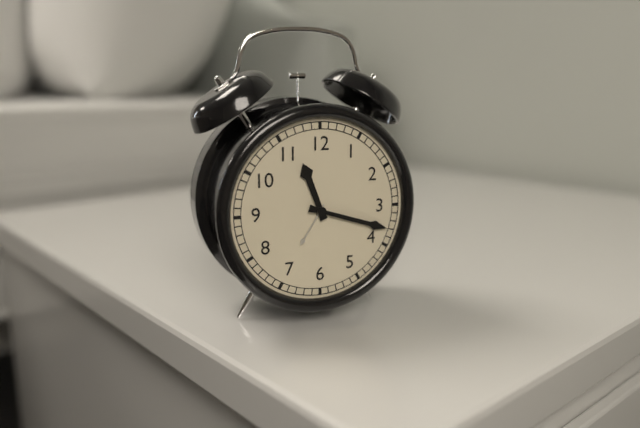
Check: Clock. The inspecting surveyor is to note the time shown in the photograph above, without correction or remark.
11:18
